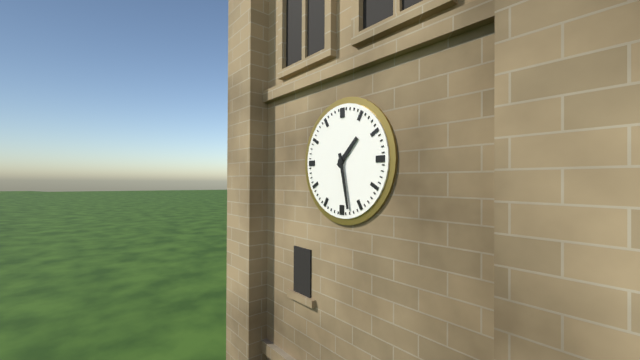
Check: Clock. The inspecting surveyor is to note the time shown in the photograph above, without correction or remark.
1:28
